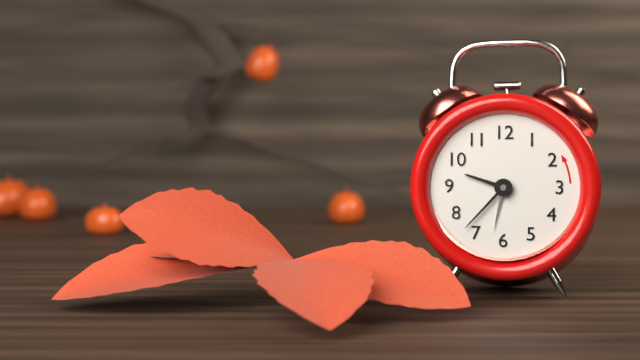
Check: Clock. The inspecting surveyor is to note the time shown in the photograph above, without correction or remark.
9:37:32
